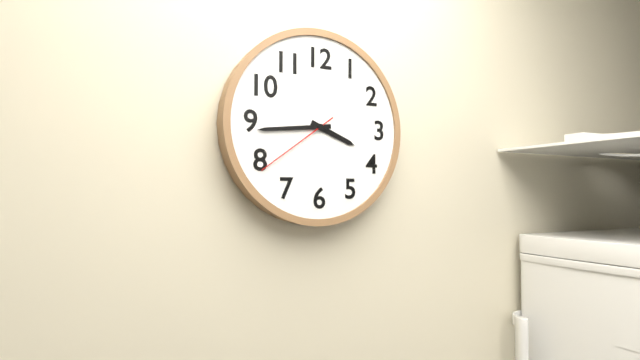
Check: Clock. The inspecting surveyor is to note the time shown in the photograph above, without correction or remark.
3:44:39
